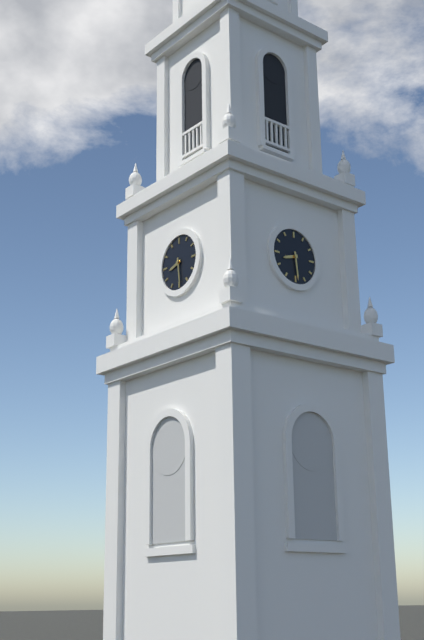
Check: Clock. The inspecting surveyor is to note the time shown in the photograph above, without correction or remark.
8:29
